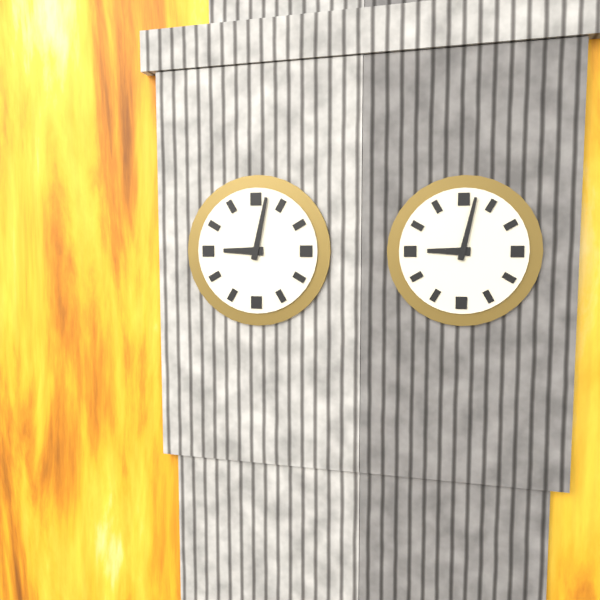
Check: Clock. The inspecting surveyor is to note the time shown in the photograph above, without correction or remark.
9:02
